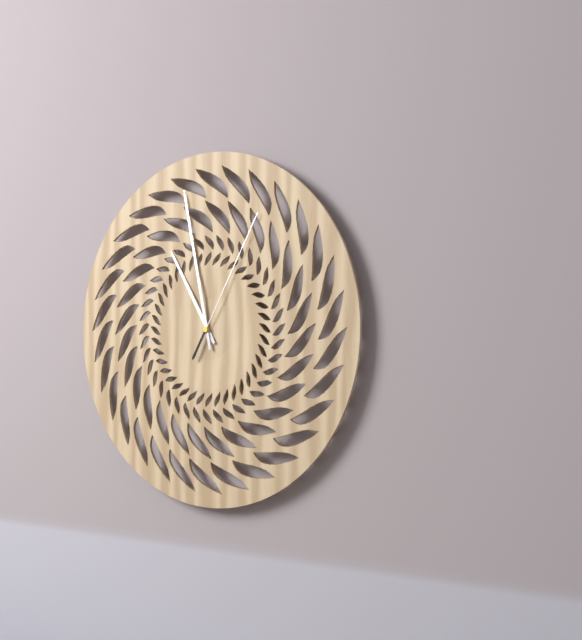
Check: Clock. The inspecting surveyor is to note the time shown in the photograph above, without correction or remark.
10:58:05
